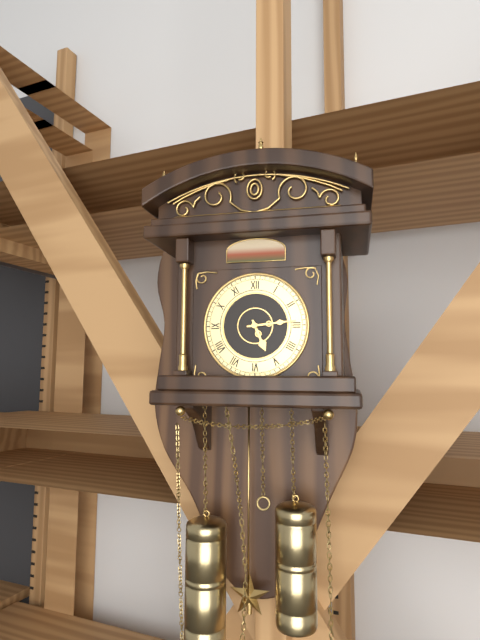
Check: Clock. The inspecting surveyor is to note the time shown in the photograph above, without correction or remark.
5:14
